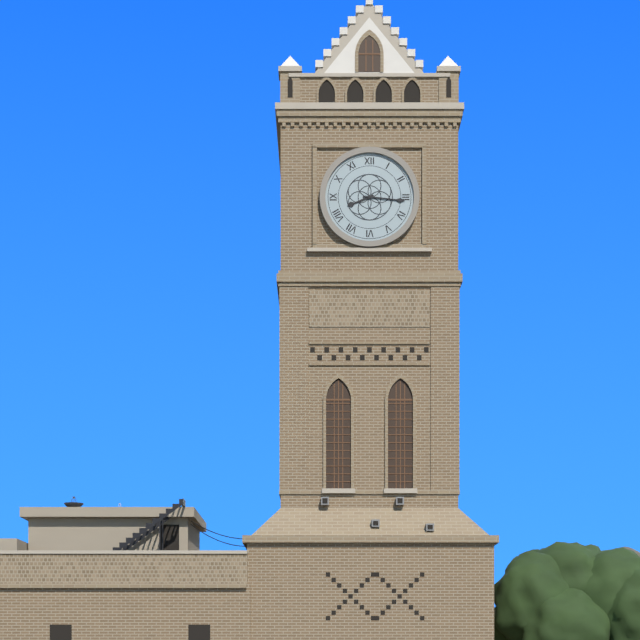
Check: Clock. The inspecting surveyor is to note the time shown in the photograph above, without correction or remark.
8:16
